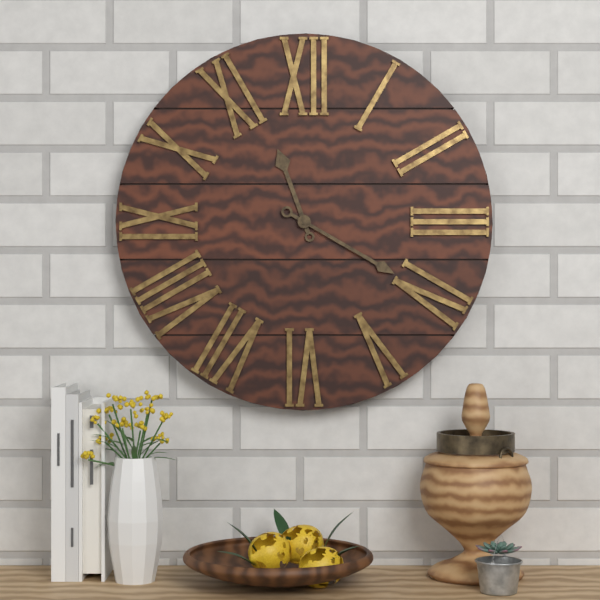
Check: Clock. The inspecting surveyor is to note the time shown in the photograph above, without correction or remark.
11:20
